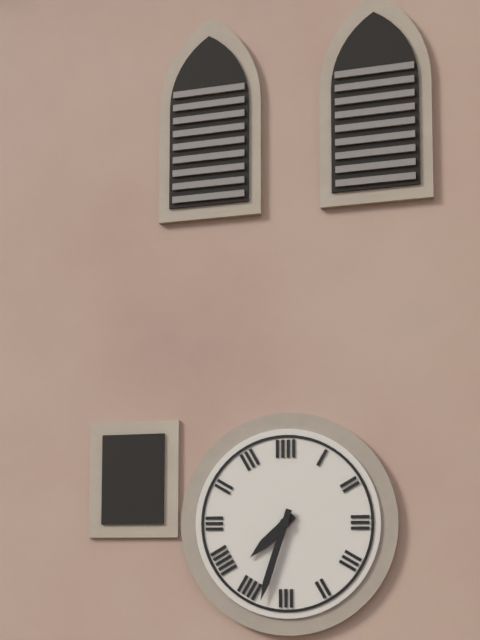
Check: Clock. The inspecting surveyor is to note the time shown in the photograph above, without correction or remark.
7:33
